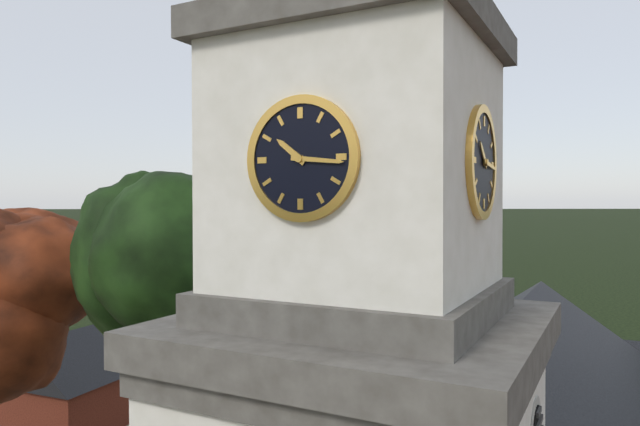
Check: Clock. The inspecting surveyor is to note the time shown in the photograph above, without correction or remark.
10:16
